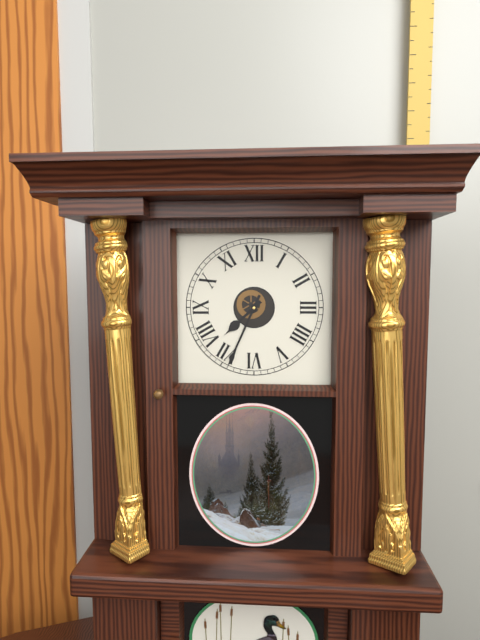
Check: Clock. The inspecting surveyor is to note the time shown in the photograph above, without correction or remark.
7:34
